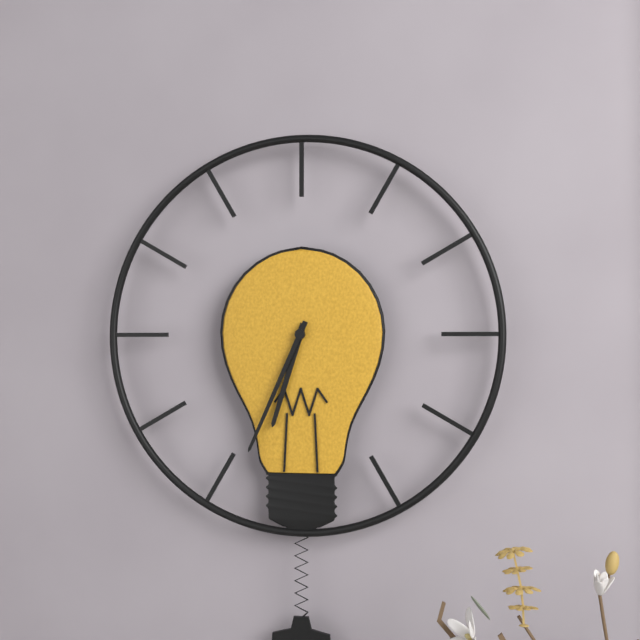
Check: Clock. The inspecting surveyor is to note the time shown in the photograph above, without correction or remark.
6:34
